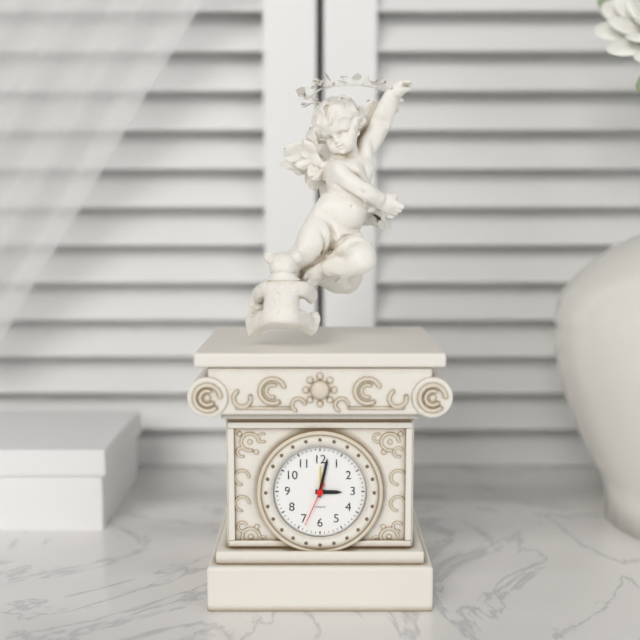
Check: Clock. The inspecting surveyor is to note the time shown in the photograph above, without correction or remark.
3:02
